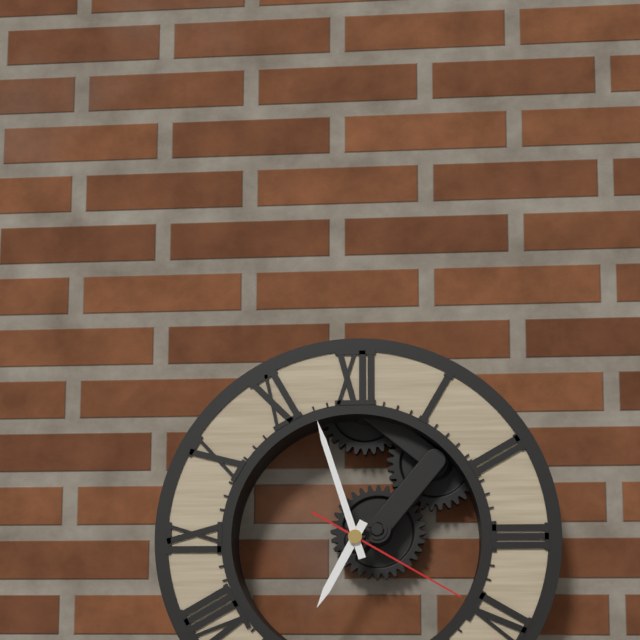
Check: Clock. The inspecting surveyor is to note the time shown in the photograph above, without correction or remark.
6:57:20
